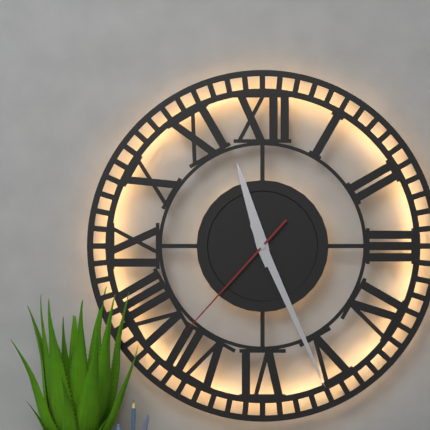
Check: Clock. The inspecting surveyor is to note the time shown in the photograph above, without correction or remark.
11:26:37
